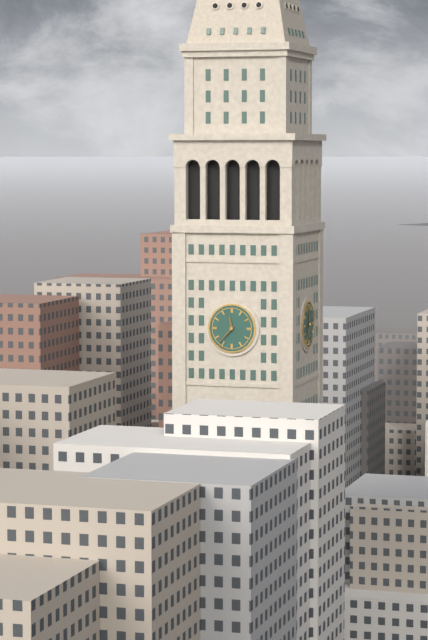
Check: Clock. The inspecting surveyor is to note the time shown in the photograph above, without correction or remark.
11:37
